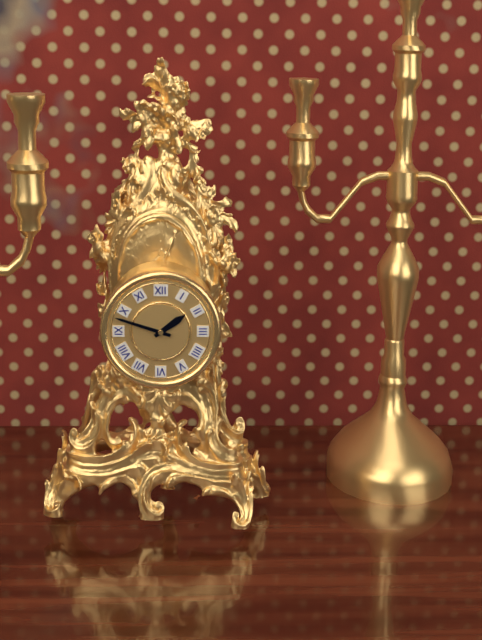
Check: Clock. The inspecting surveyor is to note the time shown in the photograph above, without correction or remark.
1:48
